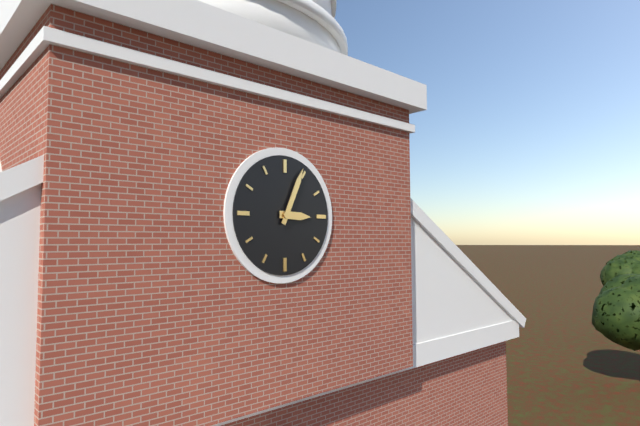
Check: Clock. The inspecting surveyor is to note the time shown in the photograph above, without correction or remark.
3:04
